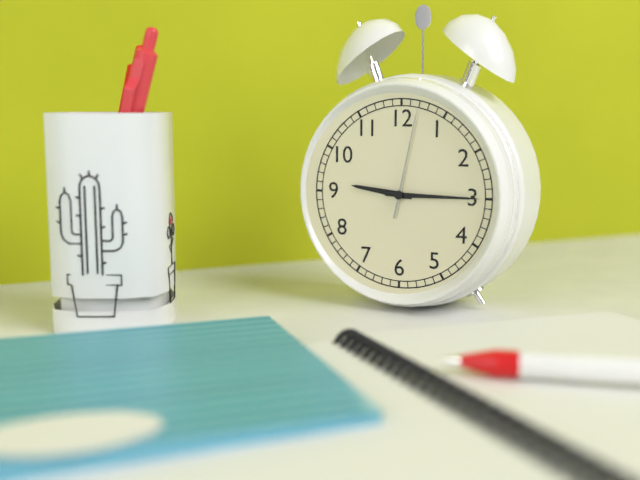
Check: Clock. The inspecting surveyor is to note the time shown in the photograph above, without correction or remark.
9:15:02
